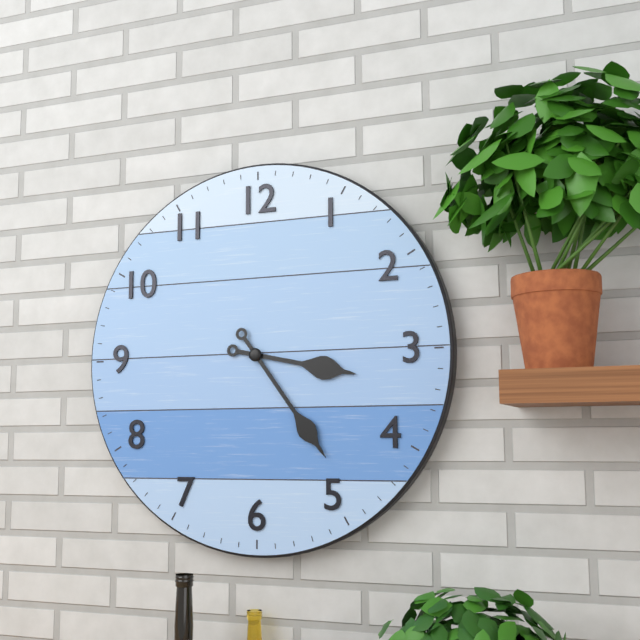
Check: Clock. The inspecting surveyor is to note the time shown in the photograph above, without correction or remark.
3:24
